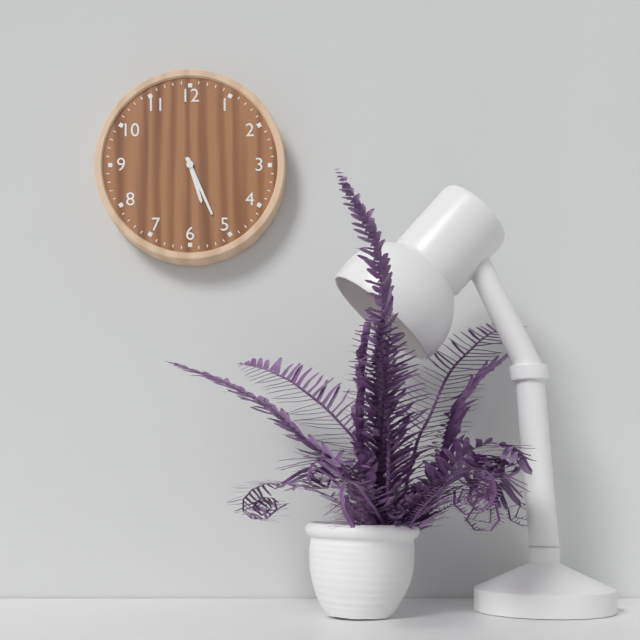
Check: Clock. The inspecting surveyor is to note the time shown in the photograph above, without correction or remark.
5:26
